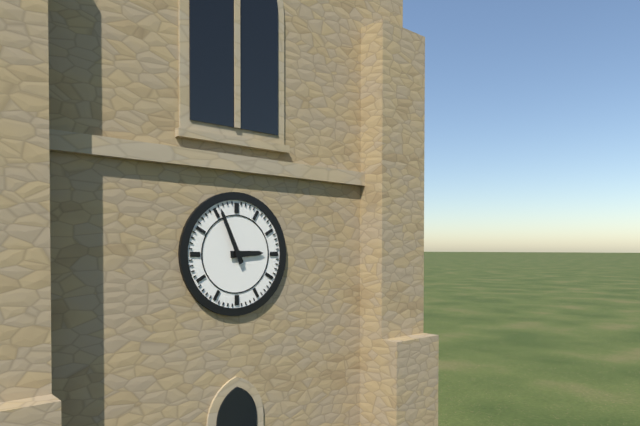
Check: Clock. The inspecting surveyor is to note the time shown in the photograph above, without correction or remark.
2:56
